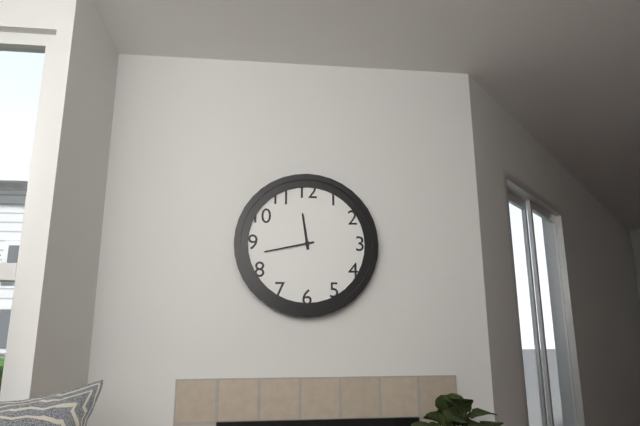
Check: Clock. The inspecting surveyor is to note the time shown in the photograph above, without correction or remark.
11:43
